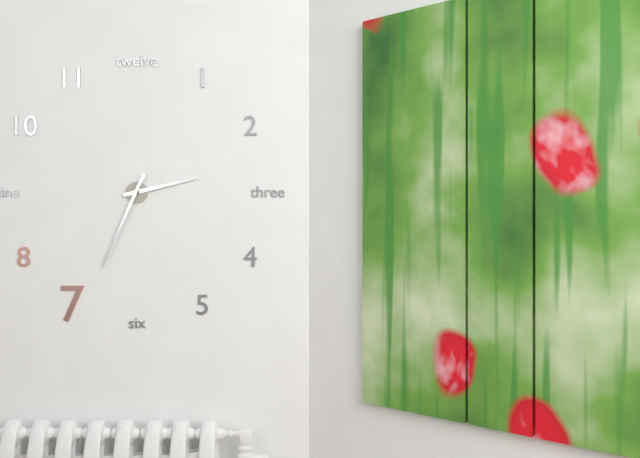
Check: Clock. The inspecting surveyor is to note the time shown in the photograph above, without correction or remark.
2:34
